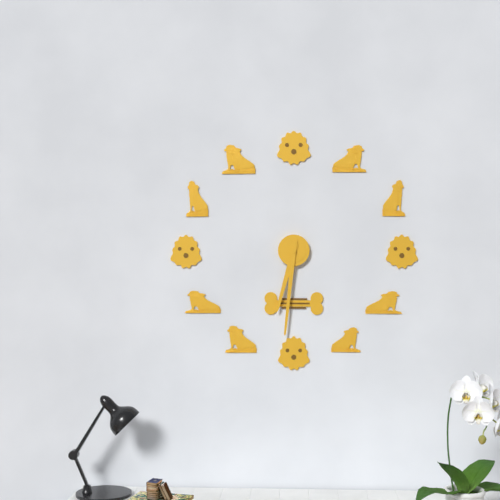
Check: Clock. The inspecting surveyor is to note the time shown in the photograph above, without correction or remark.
6:31
